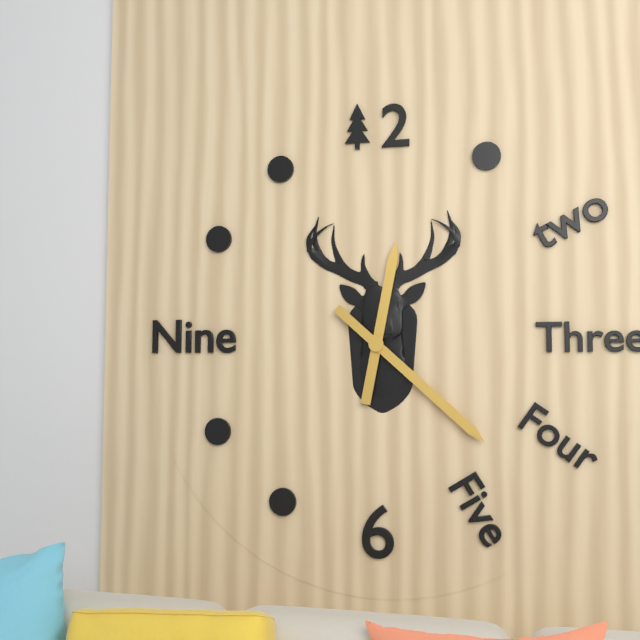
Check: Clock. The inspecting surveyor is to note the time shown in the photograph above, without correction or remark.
12:22
